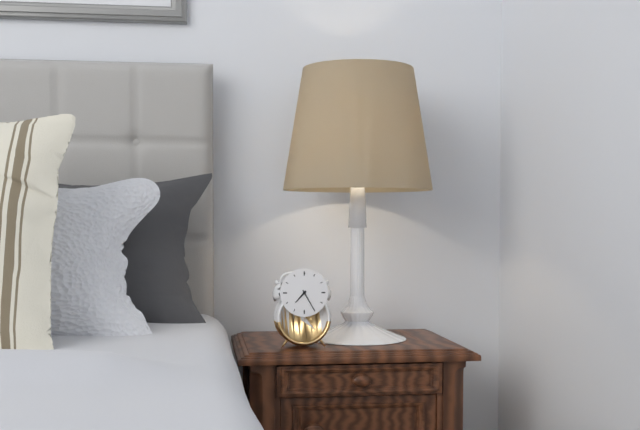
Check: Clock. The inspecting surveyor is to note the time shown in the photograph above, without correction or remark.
7:25
